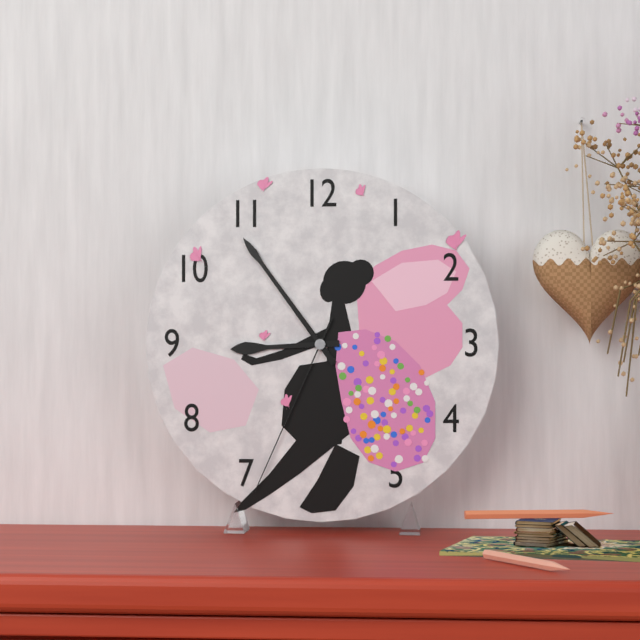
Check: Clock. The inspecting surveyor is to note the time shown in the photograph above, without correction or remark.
8:54:34
